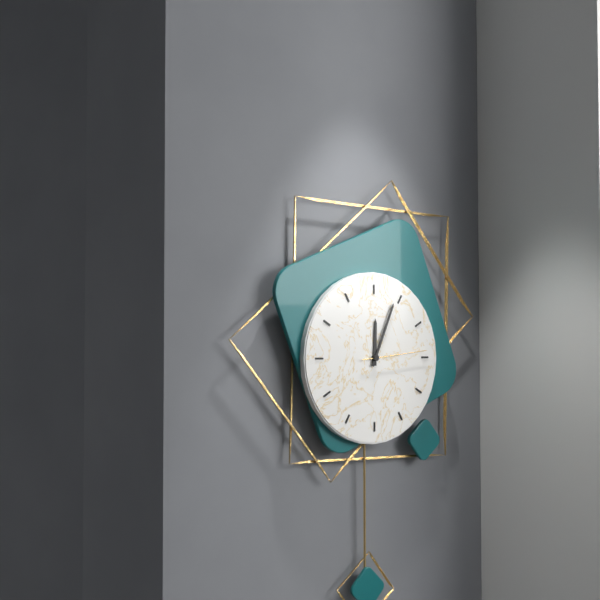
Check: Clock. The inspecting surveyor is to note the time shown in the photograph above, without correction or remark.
12:04:14
